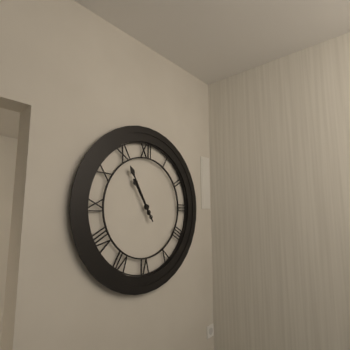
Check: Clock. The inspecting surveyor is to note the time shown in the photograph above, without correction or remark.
10:55
